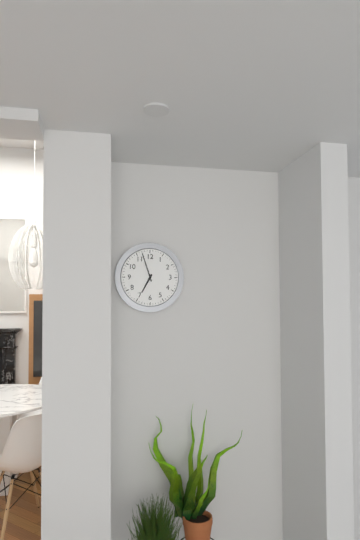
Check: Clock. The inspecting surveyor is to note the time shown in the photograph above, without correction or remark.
6:57
